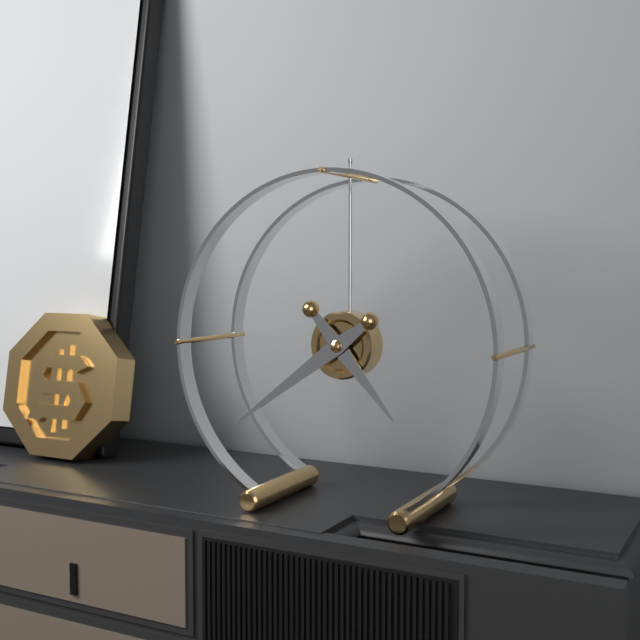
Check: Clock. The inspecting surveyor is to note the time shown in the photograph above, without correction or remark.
4:39
